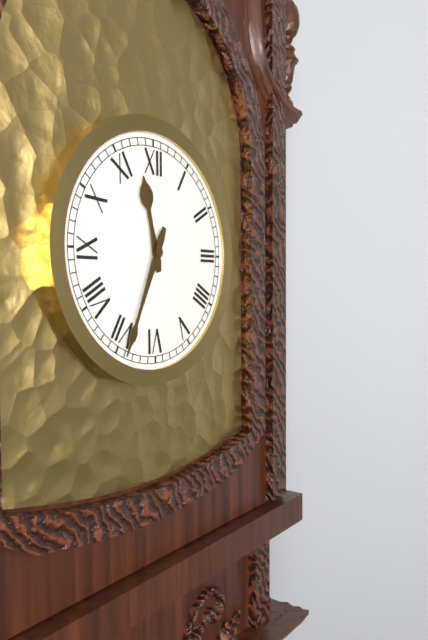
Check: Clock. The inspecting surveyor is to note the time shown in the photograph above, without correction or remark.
11:34
